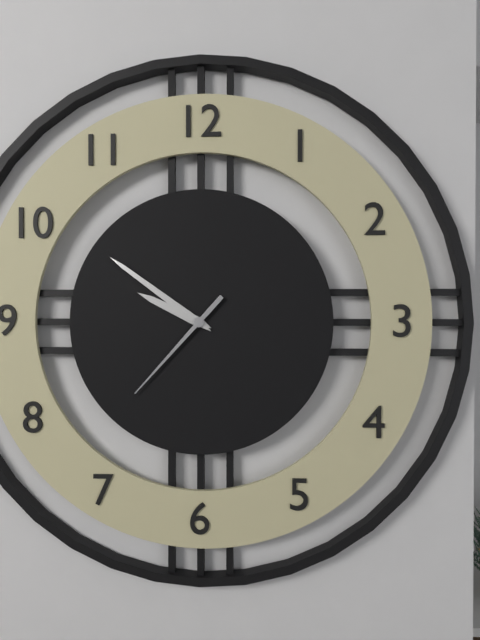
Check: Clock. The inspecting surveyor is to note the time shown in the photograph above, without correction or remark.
9:51:37
